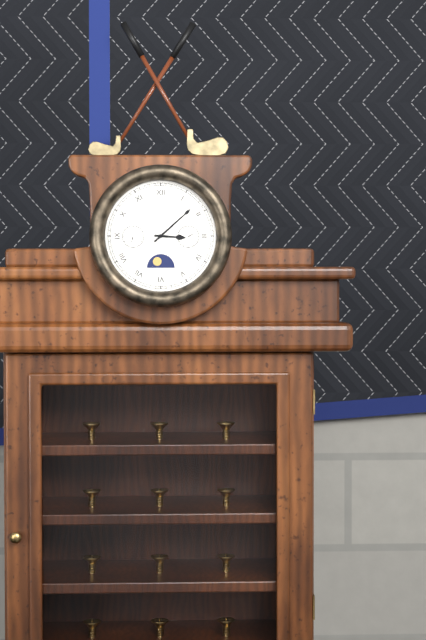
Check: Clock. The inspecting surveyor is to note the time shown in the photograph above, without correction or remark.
3:08
